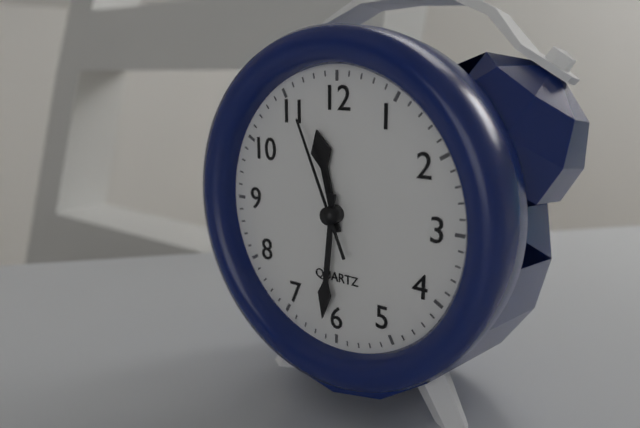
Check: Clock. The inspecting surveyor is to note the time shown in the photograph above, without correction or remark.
11:31:56
